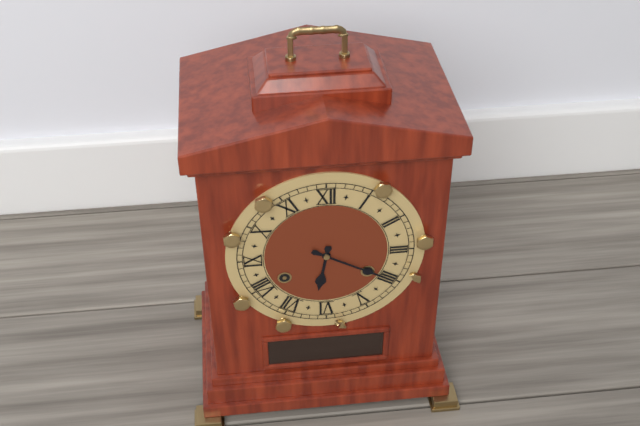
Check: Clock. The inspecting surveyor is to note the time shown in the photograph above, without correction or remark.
6:20
